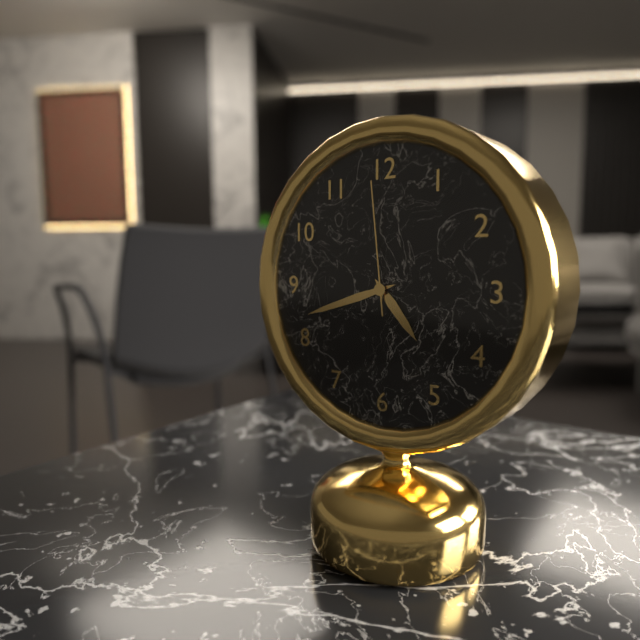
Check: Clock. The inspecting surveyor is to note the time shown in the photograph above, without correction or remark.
4:42:59
